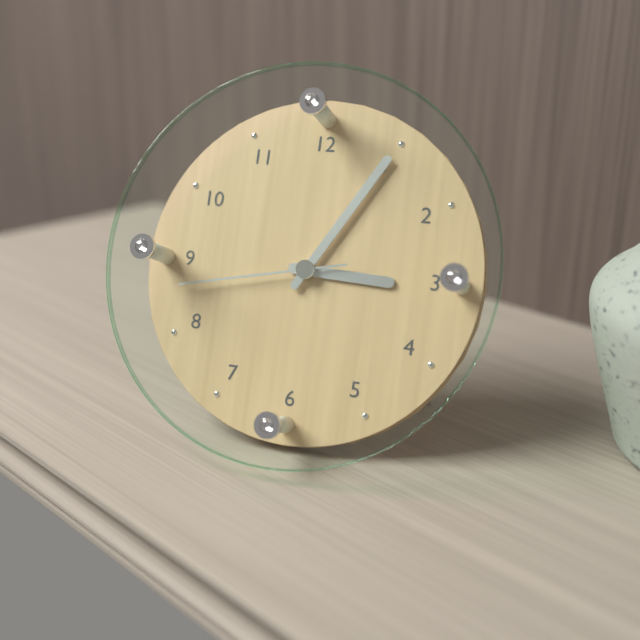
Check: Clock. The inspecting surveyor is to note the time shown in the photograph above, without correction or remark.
3:05:43
